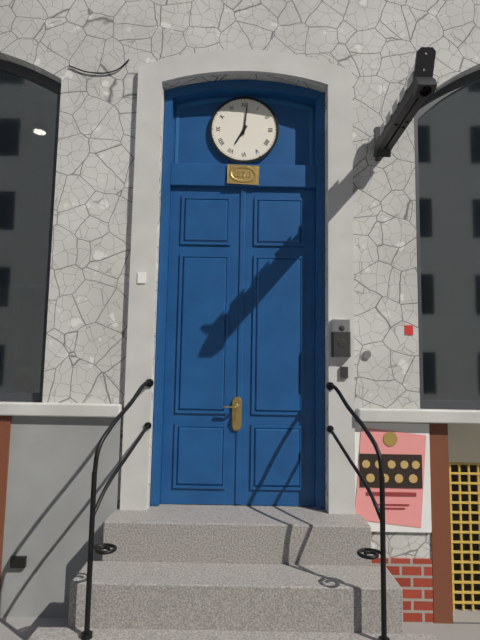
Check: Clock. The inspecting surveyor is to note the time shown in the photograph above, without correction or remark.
7:01
